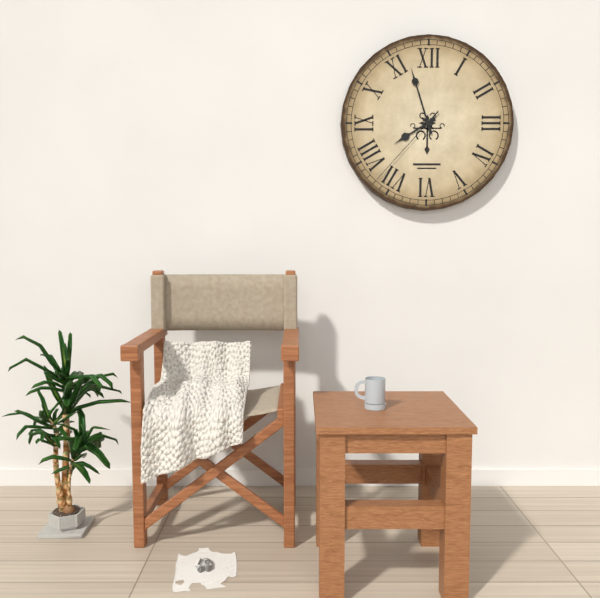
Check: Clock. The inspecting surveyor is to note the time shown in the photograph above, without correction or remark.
7:57:37
